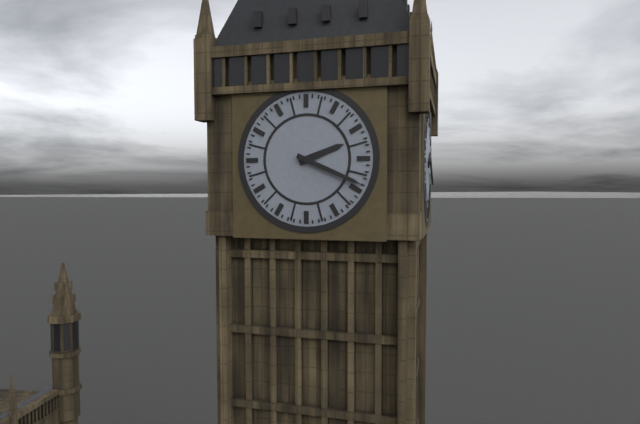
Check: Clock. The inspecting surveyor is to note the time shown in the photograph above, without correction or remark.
2:19
